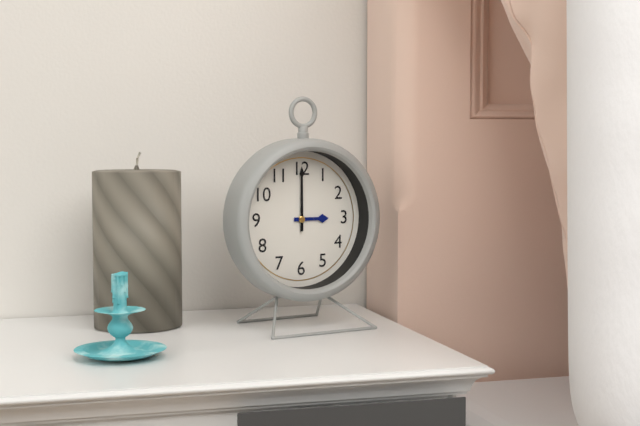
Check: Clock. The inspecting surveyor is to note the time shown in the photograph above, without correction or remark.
3:00
